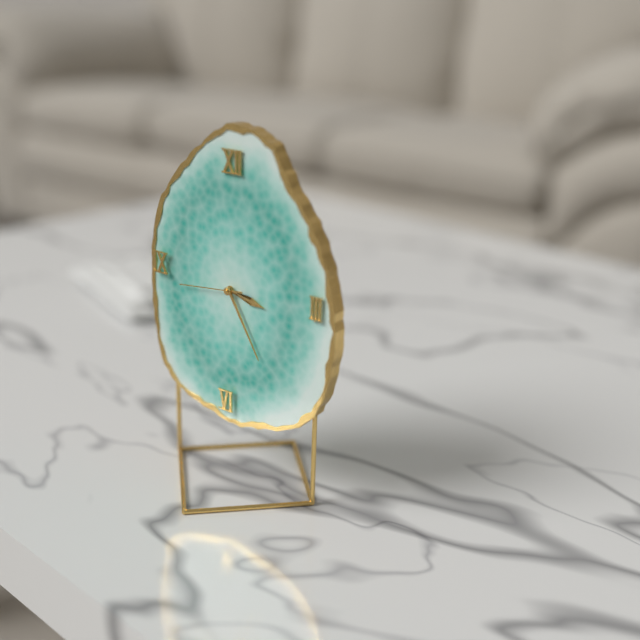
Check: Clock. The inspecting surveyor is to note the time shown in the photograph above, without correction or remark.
3:25:44
